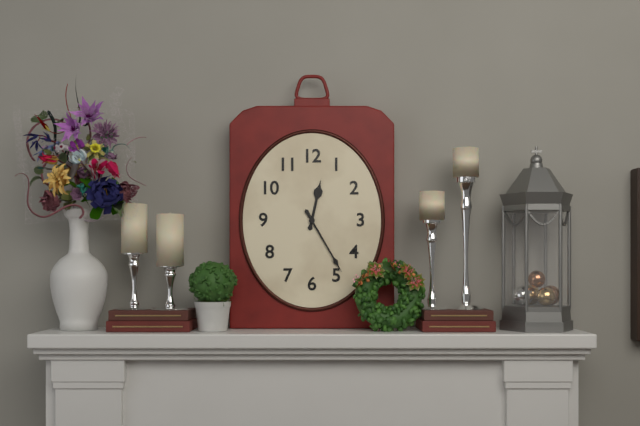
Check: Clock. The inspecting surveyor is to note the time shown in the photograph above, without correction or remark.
12:25
